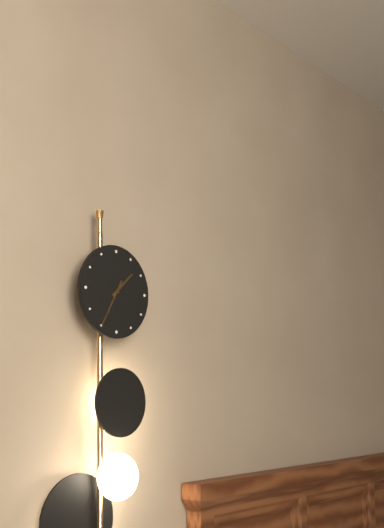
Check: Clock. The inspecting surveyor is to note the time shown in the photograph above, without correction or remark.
1:35
